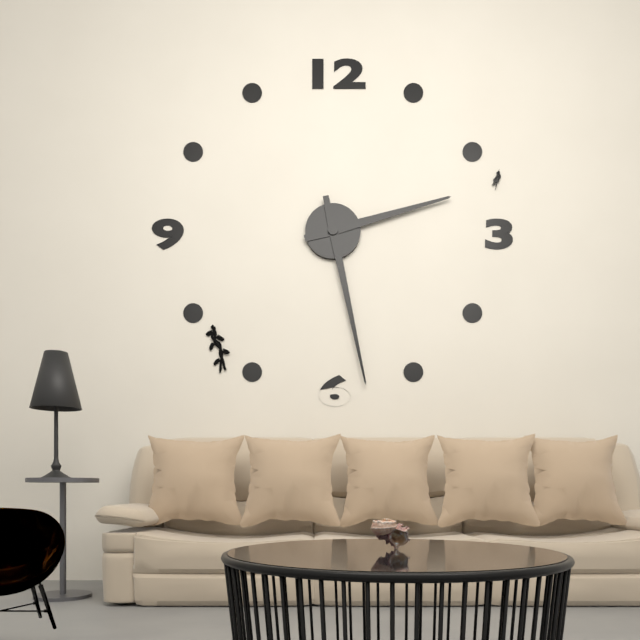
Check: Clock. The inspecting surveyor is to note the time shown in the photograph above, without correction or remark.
2:28
